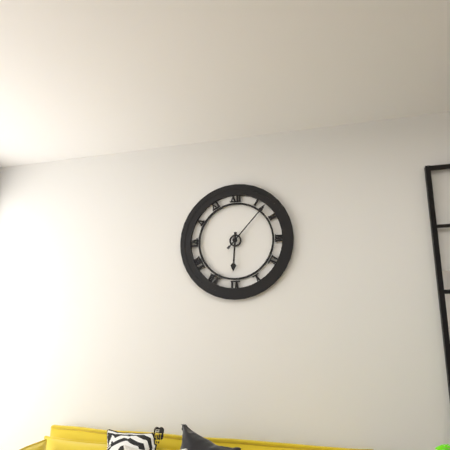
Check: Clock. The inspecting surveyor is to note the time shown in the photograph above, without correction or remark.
6:07
